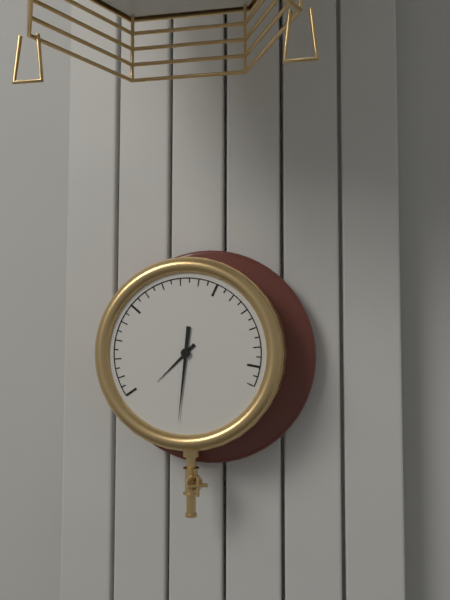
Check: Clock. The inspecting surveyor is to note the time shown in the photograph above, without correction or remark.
7:31
